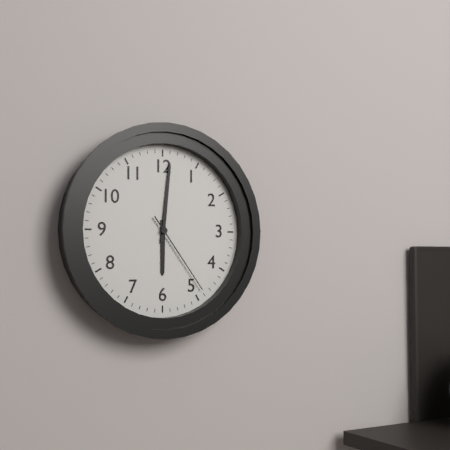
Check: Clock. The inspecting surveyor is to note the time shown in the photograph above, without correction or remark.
6:01:24
